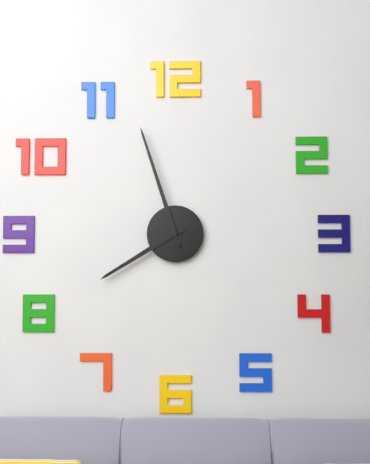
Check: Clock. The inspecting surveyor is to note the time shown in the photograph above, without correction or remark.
7:57
